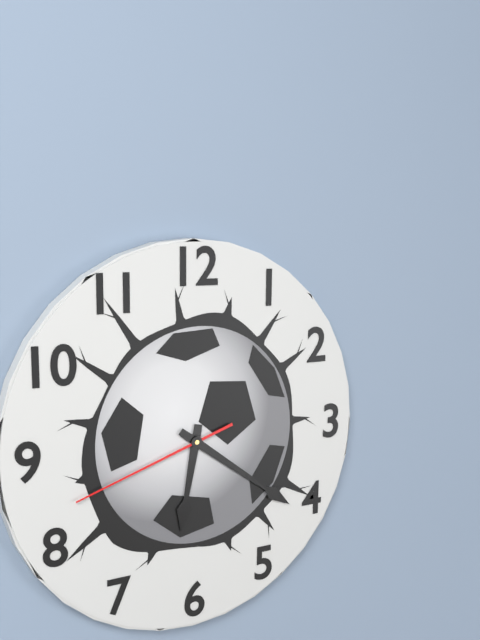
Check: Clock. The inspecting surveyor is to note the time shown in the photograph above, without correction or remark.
6:21:42
